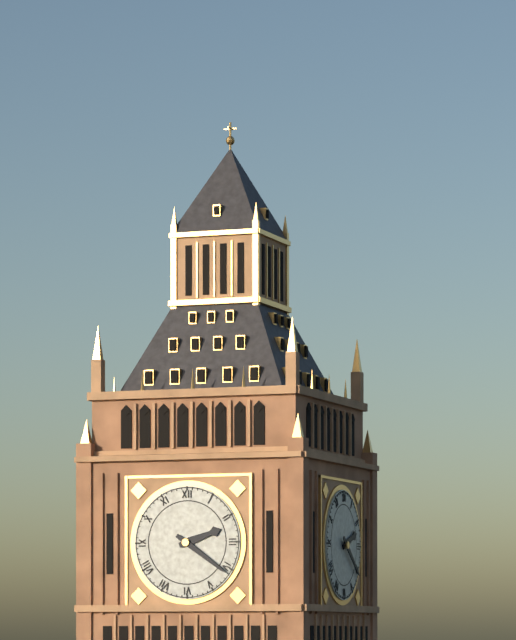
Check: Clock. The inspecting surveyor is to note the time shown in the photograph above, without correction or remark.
2:21
